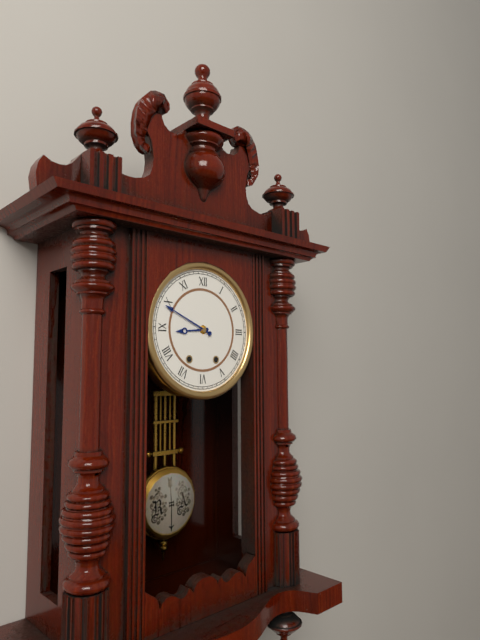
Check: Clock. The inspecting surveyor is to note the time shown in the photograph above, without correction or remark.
8:49
